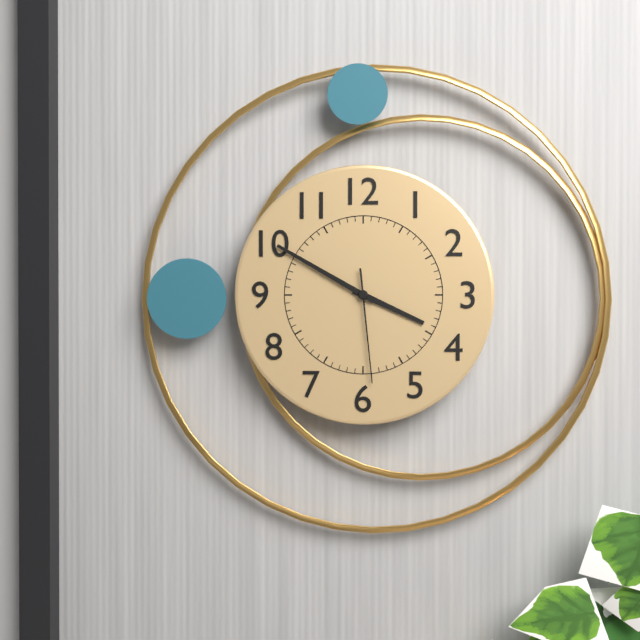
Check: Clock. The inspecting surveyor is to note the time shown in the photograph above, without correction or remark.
3:50:29
